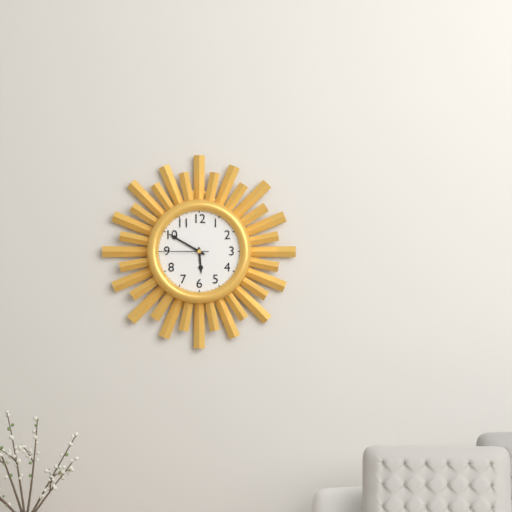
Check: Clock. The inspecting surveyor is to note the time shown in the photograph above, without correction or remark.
5:50
